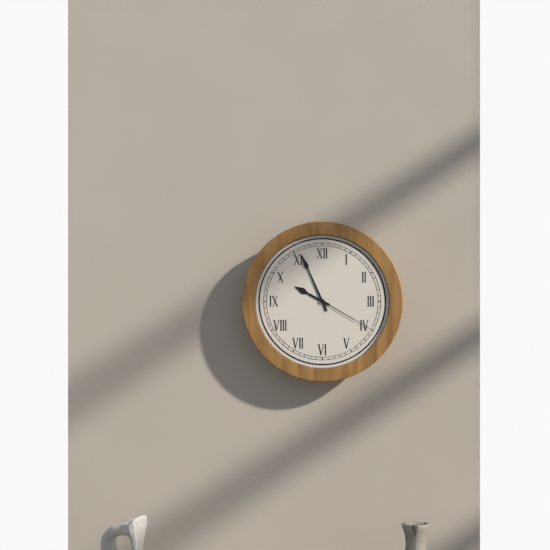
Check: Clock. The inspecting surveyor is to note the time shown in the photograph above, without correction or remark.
9:56:20
